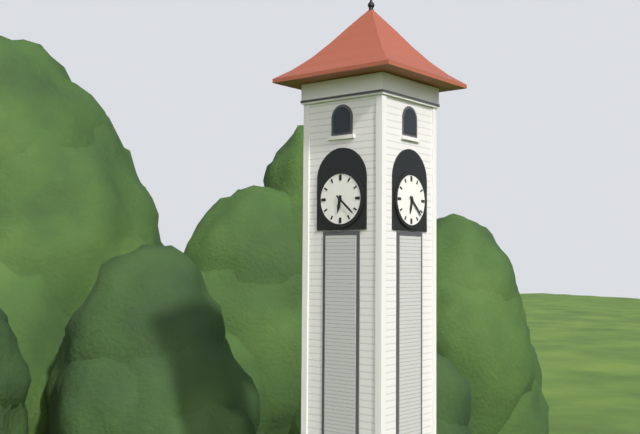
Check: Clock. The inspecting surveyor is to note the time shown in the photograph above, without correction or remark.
6:22
